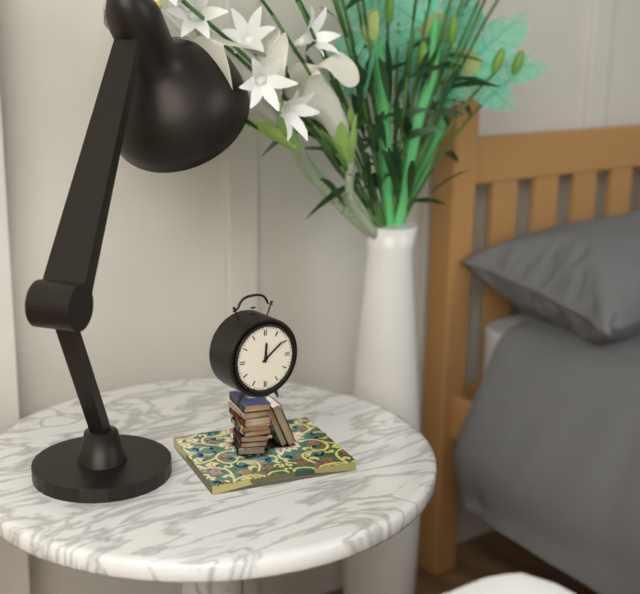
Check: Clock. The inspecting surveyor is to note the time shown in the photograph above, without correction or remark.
12:09
